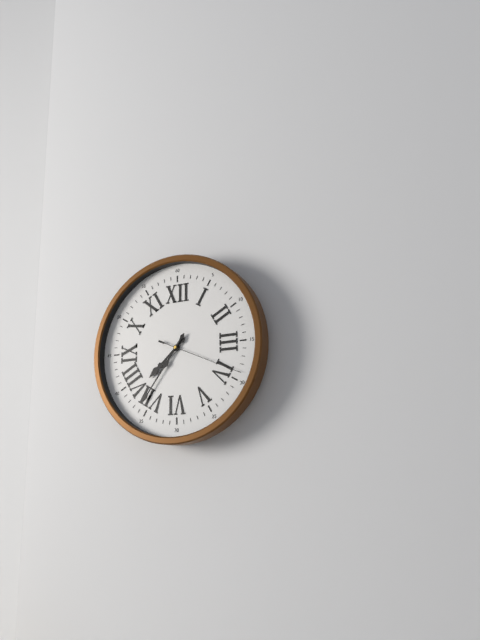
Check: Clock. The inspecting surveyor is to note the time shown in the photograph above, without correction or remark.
7:36:19
